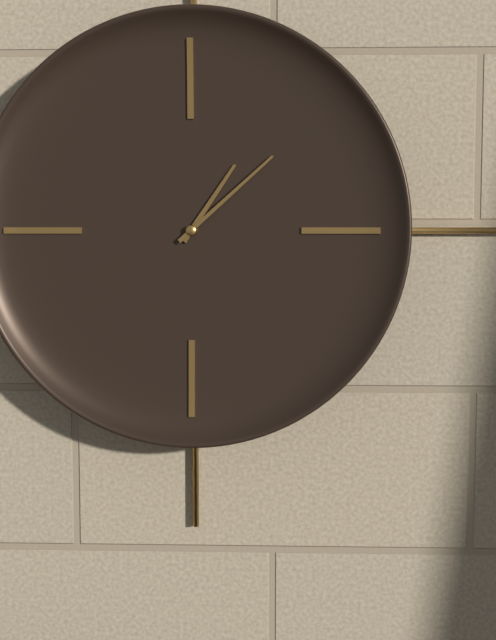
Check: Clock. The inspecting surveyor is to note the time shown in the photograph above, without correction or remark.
1:08
